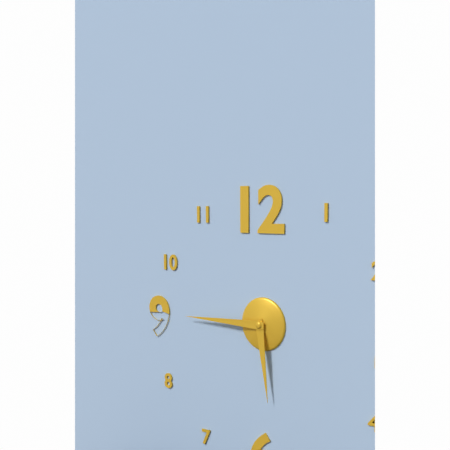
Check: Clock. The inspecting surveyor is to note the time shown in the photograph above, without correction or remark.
5:45
